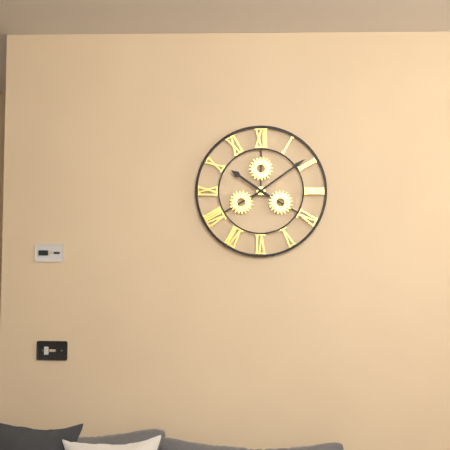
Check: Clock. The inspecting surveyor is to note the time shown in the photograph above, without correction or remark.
10:09
